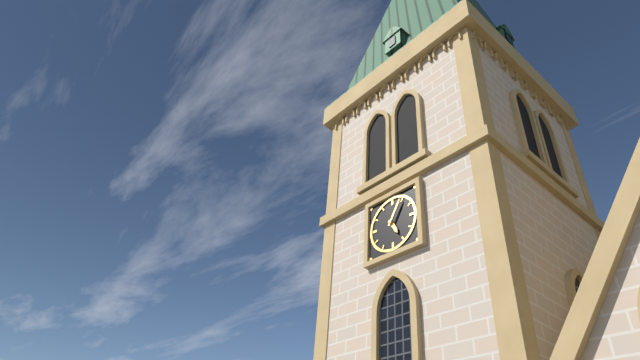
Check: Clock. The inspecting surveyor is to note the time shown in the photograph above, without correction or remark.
5:05
